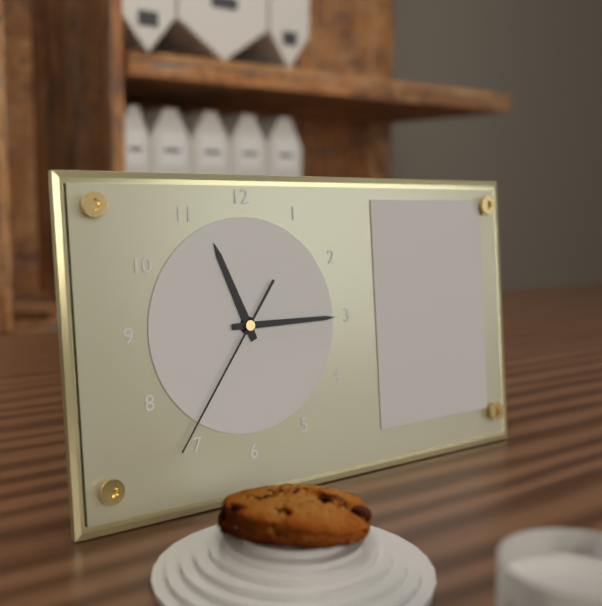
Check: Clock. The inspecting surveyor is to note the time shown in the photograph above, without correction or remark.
11:15:36
